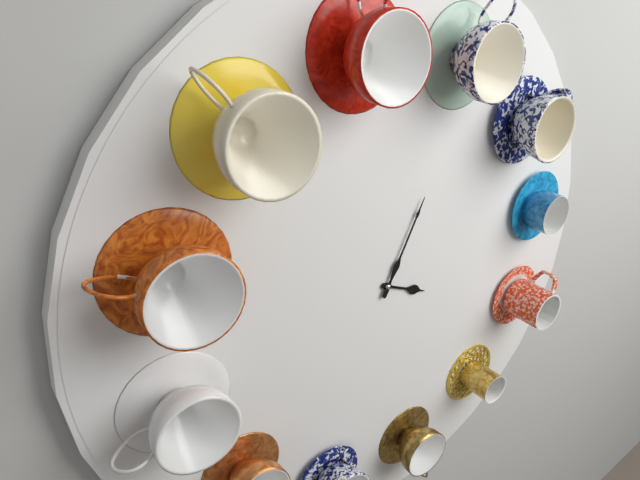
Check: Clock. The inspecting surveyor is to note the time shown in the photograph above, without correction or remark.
4:06
